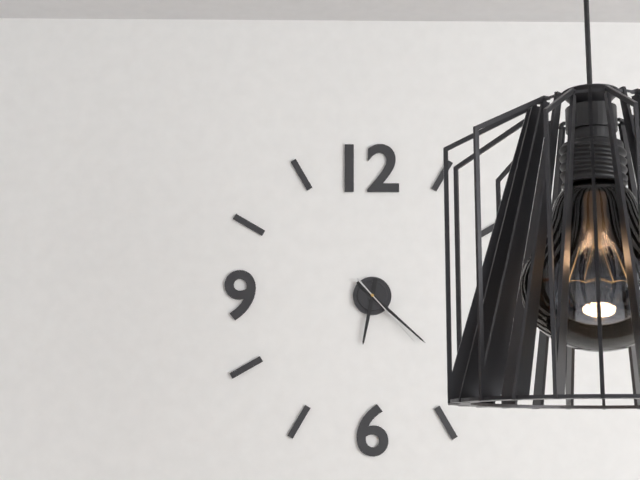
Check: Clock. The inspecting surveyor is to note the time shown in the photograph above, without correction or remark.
6:22:23
